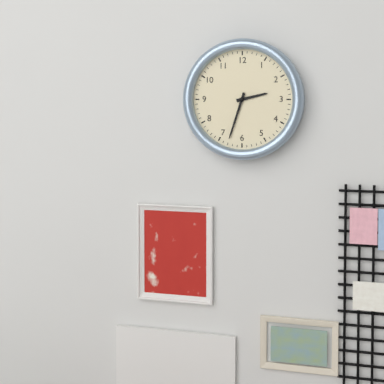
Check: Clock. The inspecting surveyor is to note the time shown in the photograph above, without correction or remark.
2:33
